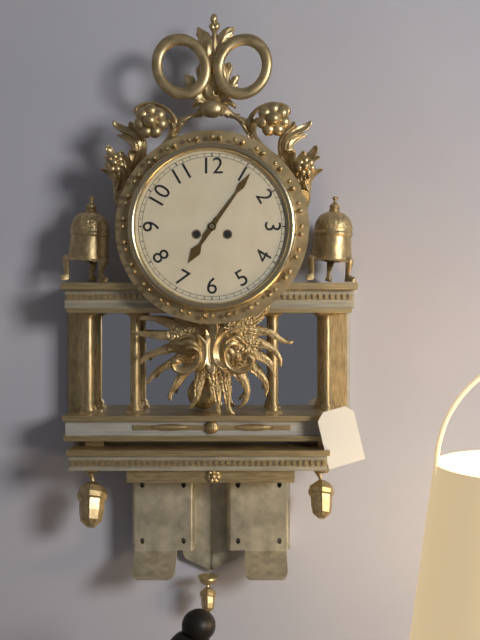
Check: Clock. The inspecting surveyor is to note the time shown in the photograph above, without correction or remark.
7:06
